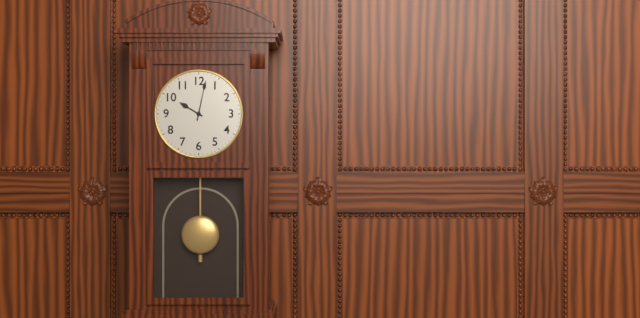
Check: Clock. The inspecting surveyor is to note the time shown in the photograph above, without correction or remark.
10:02
